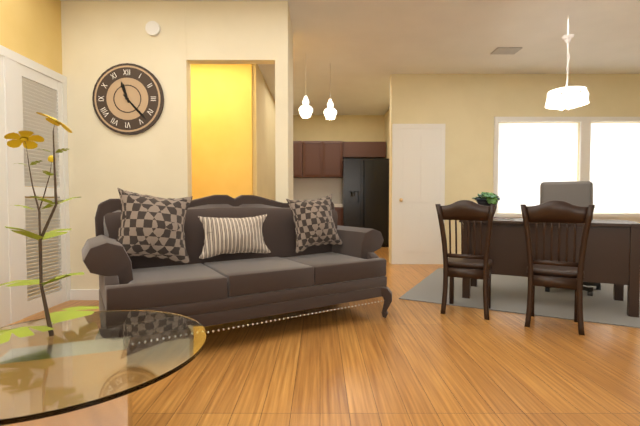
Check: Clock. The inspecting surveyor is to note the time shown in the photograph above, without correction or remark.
11:23
